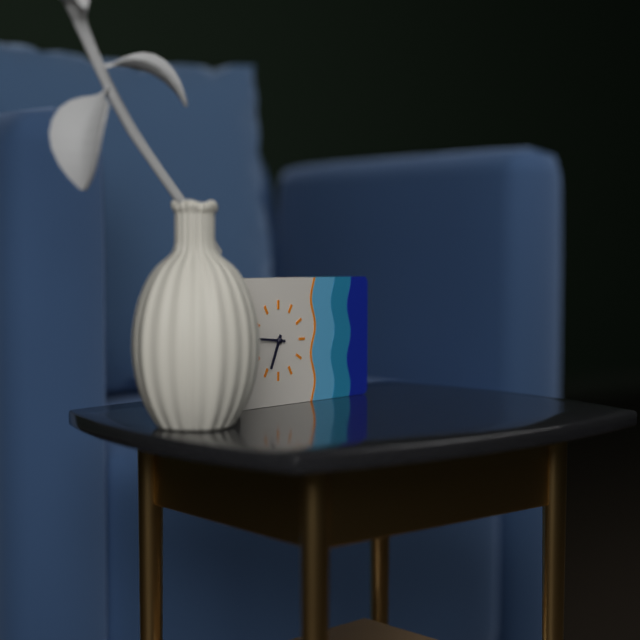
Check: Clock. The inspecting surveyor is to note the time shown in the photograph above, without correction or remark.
6:46
